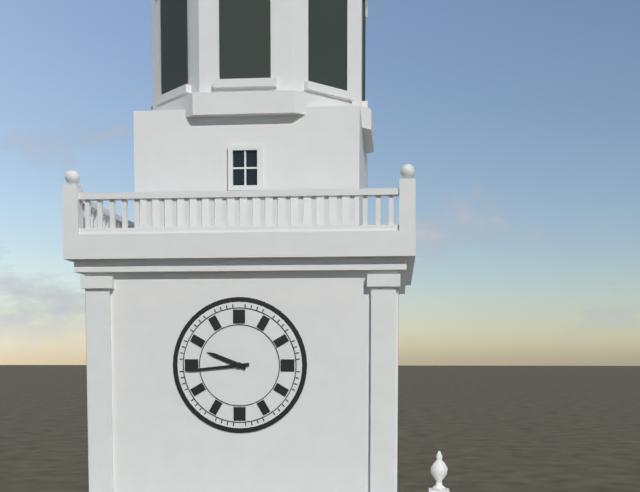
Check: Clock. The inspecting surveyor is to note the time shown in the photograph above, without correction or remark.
9:44
